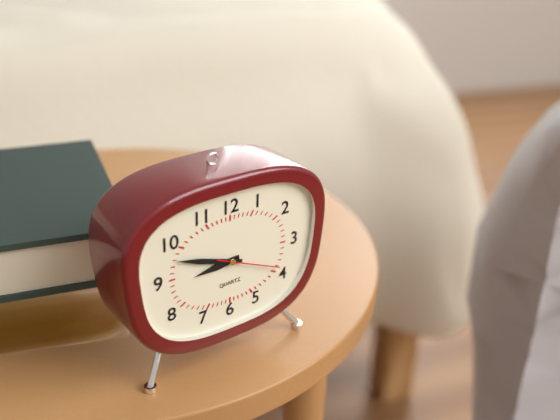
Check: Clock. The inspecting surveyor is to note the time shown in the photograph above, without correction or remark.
8:48:19
